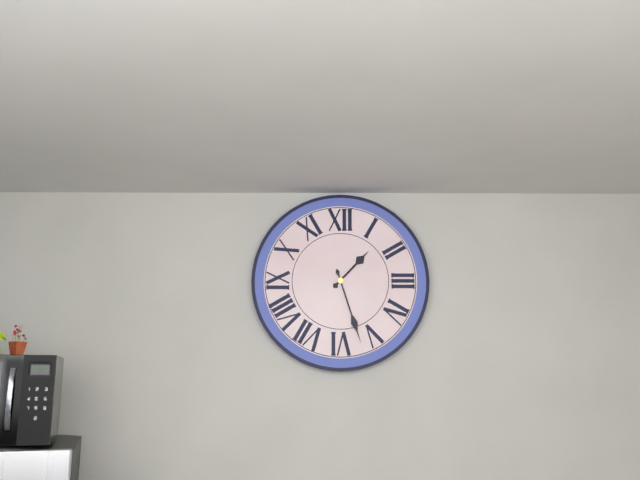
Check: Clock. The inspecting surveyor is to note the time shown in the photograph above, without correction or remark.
1:27
